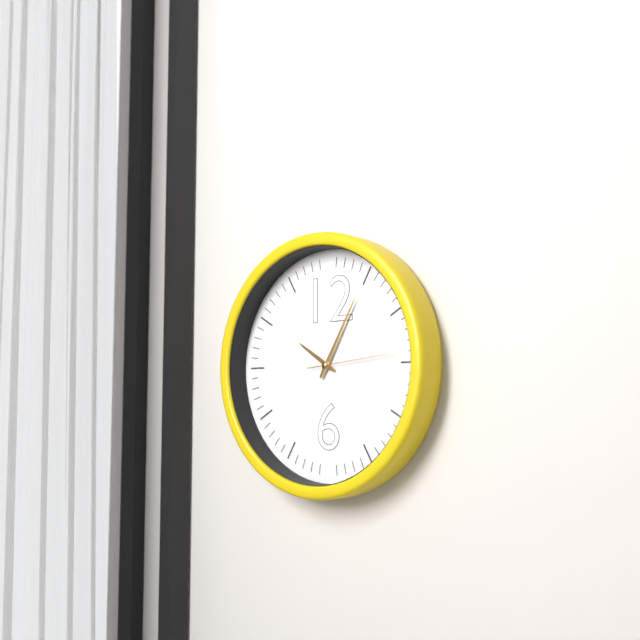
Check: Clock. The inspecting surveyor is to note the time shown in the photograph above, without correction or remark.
10:05:14
